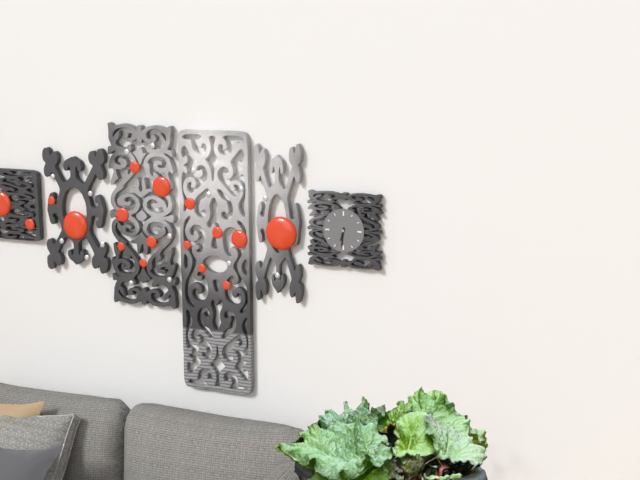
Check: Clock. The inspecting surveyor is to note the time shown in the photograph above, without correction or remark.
6:31
